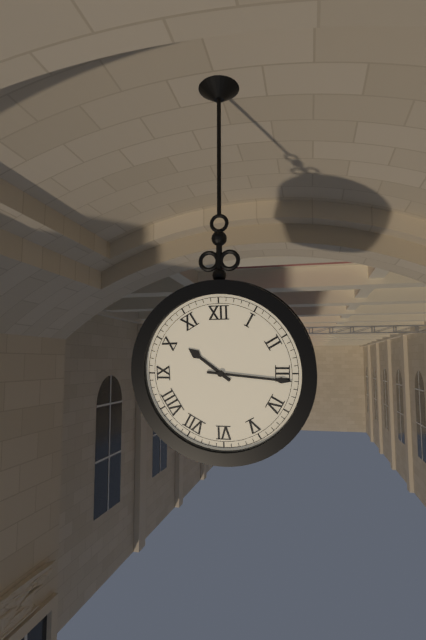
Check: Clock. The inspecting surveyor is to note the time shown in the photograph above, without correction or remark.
10:16
